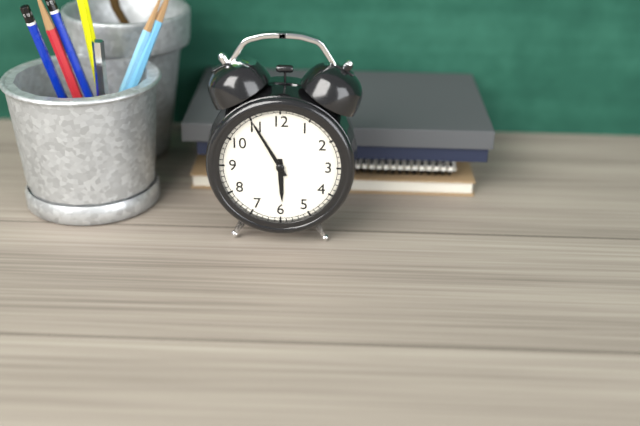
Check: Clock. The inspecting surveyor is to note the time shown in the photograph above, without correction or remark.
5:55
